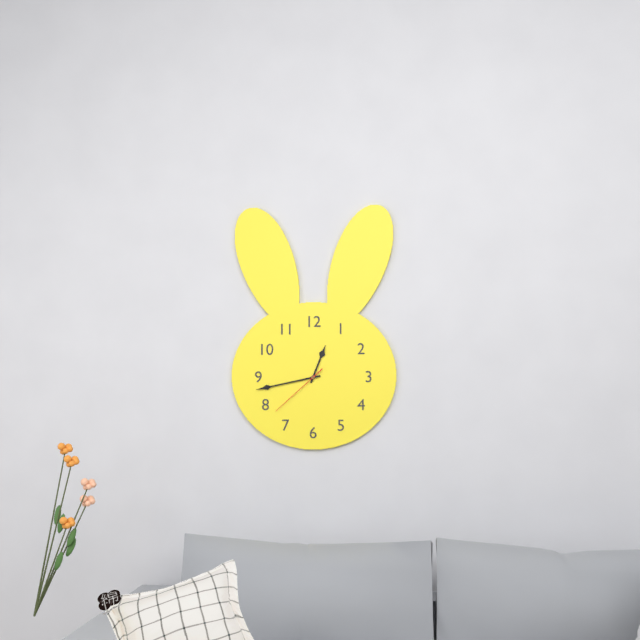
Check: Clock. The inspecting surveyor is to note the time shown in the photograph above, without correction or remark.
12:43:38
